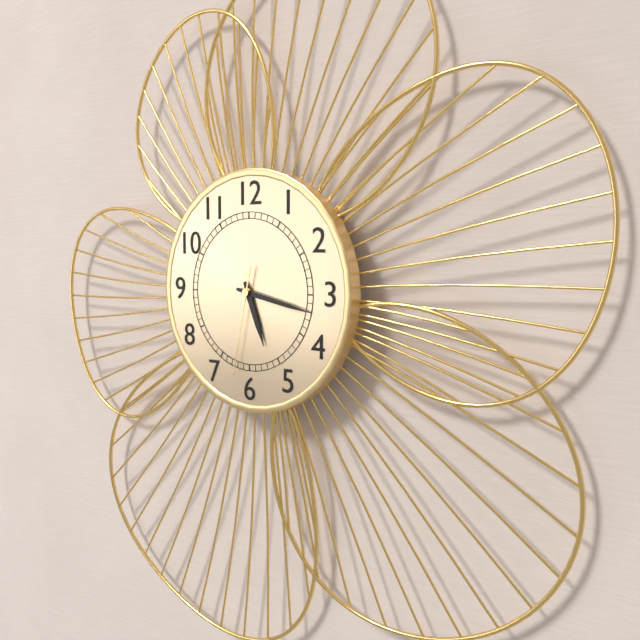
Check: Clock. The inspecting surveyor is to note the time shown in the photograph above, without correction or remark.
5:17:32
